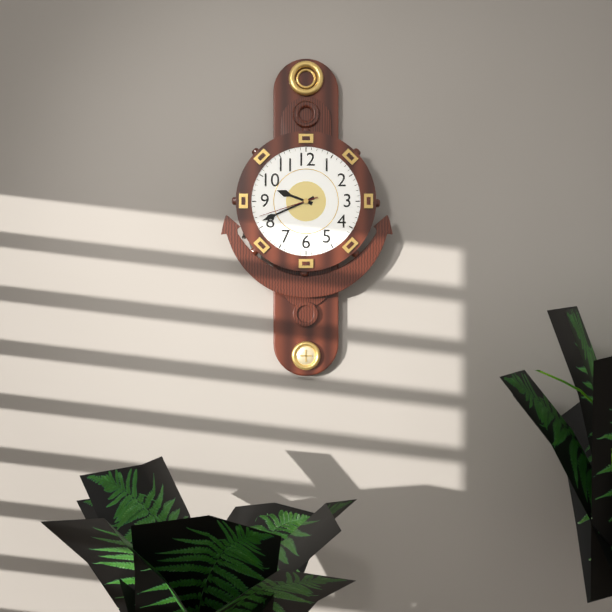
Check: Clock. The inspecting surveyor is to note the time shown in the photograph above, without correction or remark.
9:41:42
